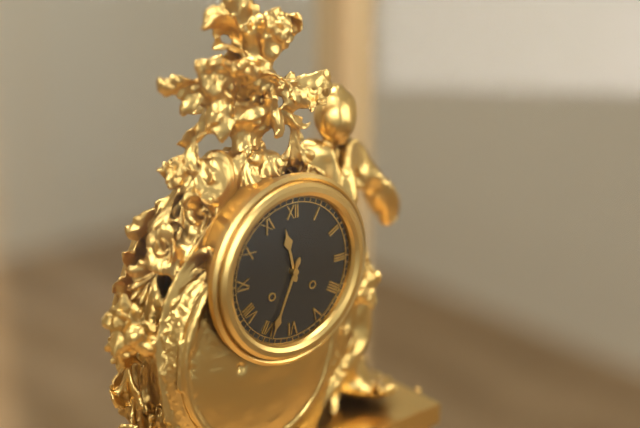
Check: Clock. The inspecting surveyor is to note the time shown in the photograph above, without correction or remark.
11:34
